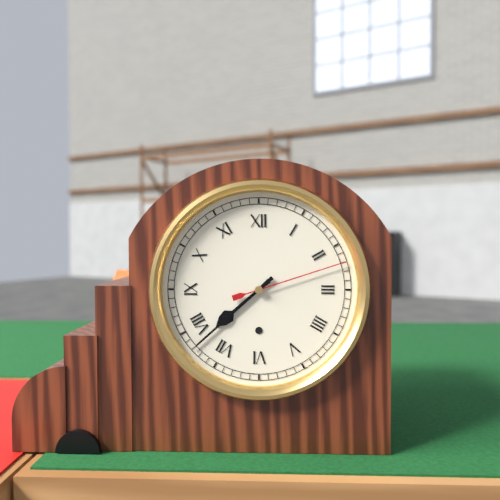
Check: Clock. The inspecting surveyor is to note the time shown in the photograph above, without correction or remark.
7:38:12
